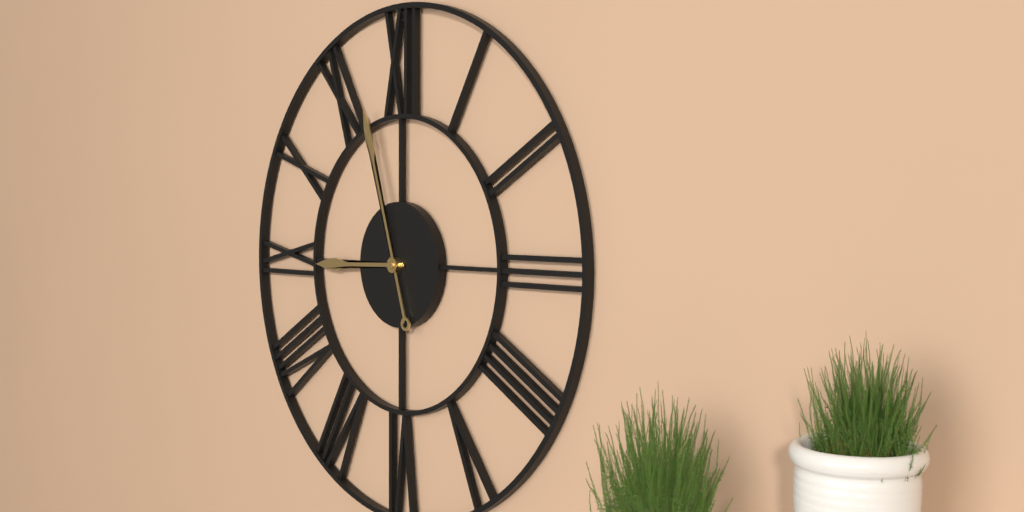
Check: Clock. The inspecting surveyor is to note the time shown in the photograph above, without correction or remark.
8:57
